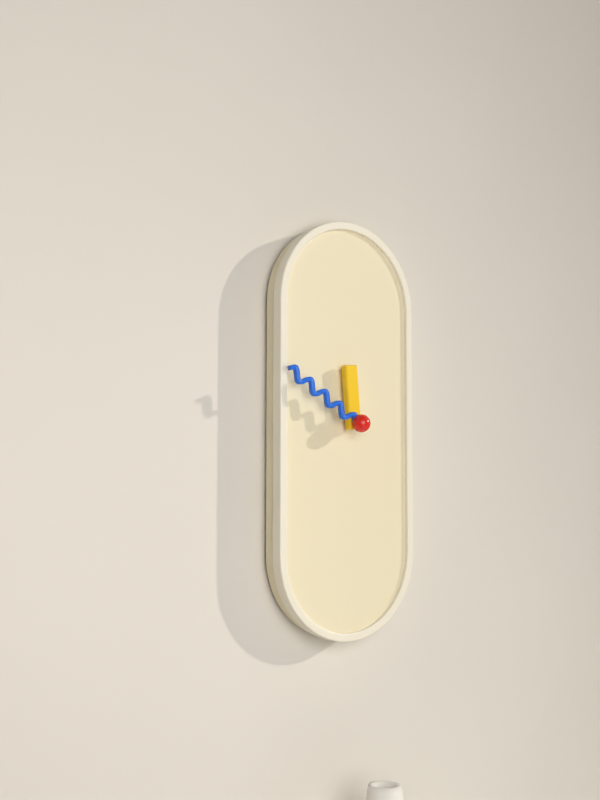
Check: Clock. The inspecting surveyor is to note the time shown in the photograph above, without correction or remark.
11:50
